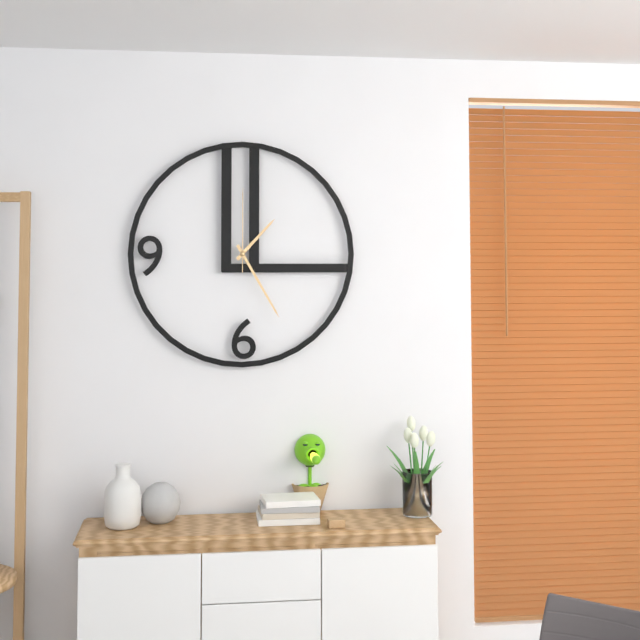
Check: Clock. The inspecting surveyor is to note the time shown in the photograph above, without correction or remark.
1:25:00
